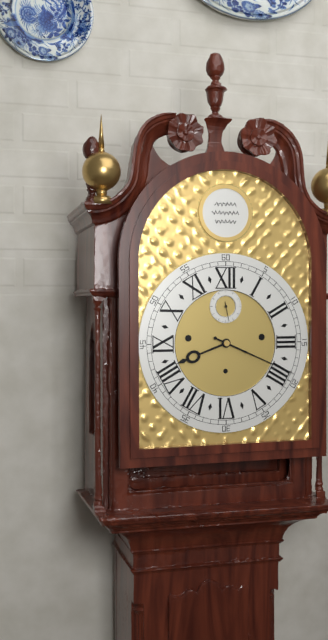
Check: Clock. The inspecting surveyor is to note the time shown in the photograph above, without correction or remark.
8:19
